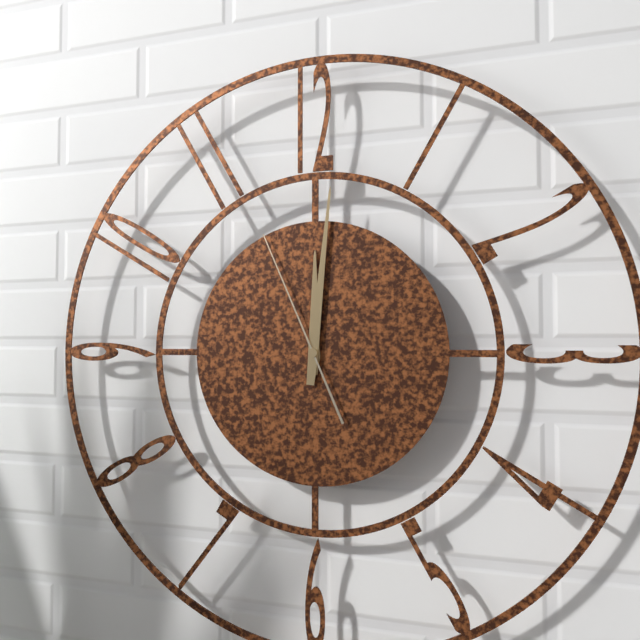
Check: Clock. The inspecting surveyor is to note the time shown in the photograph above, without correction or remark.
12:01:56
